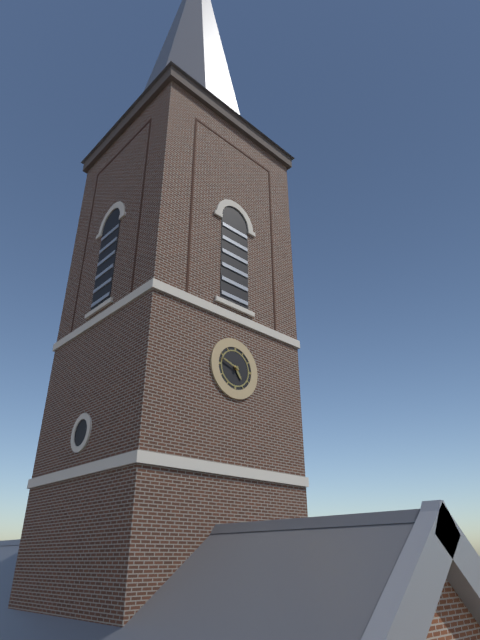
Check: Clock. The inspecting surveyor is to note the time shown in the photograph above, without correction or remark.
4:48
